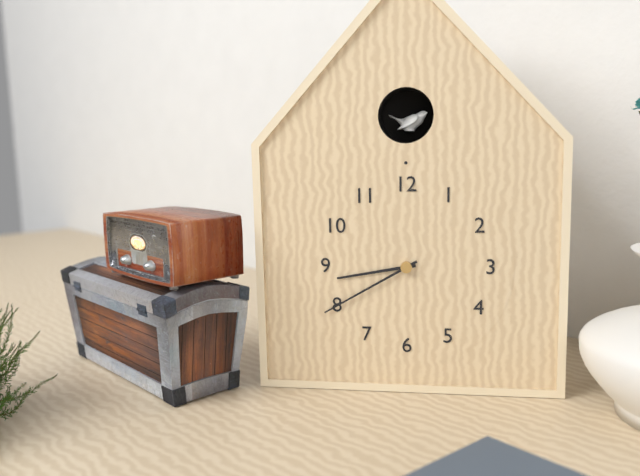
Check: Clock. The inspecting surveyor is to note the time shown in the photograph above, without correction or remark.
8:40
